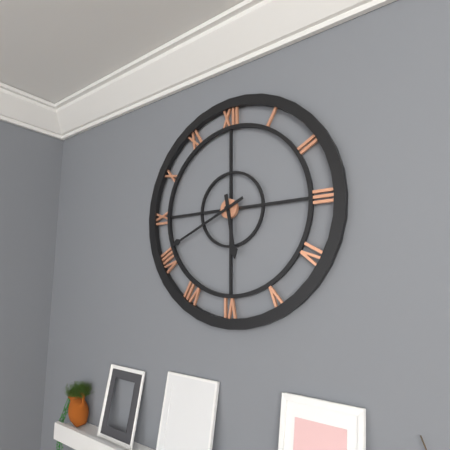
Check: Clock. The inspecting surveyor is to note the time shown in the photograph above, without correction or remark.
5:41
